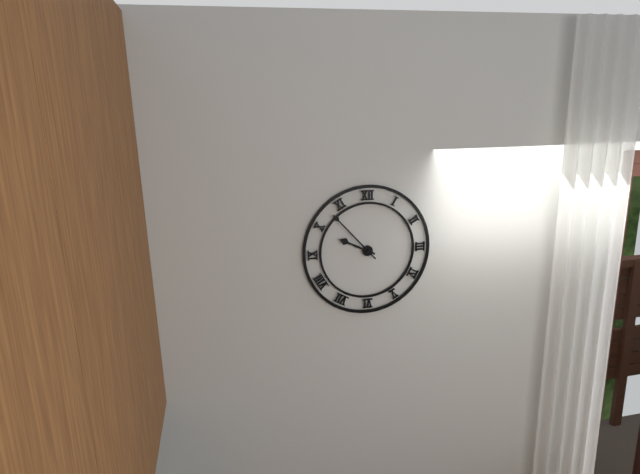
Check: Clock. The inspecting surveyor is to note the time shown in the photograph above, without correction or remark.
9:53
